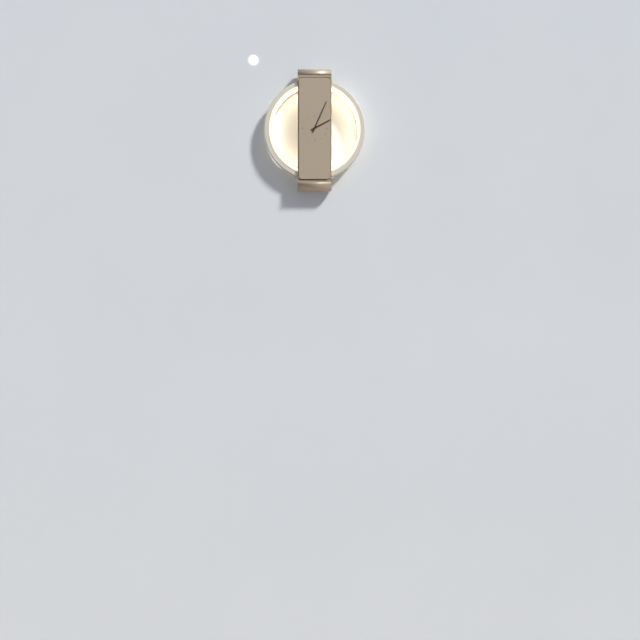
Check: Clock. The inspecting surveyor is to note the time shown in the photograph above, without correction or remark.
2:04
